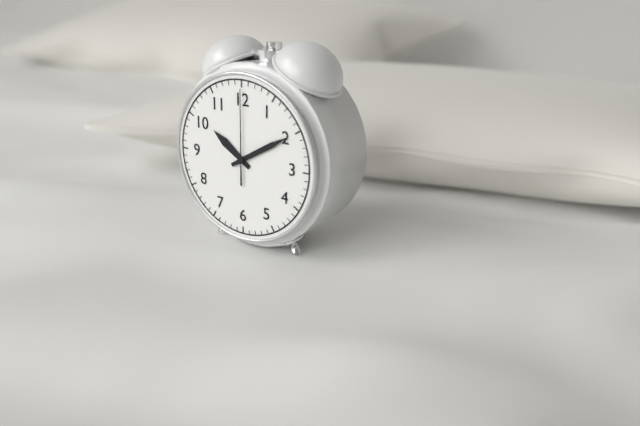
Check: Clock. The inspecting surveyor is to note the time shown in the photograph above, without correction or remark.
10:10:00
